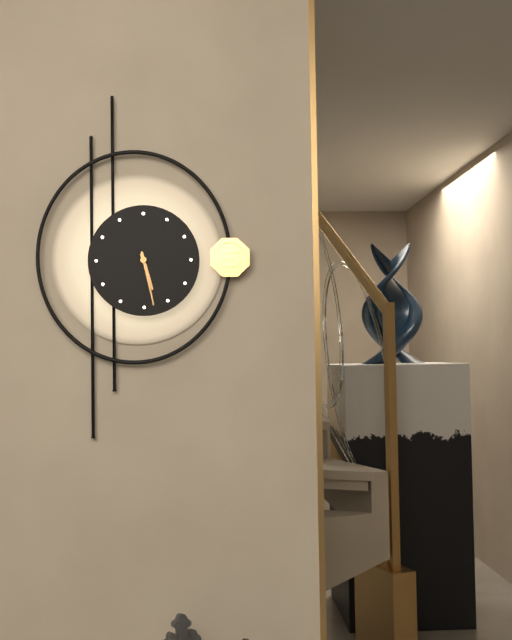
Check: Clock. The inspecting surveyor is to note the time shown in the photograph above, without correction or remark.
5:28
